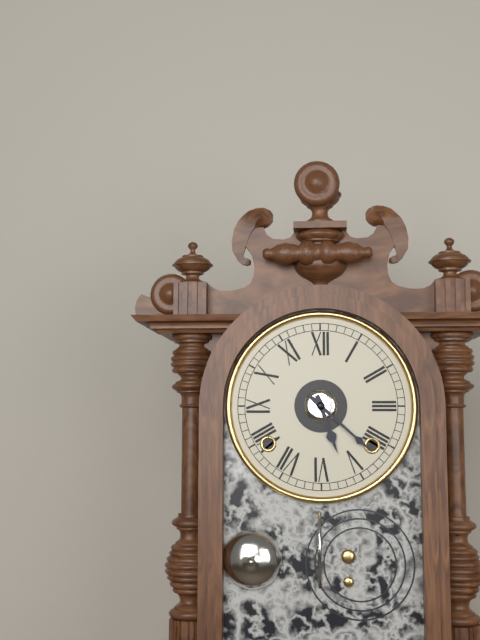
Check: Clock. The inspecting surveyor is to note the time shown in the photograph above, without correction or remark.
5:22
